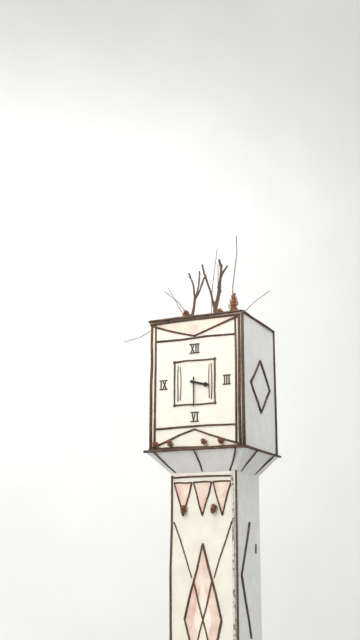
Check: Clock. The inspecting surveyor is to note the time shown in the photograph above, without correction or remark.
3:30
